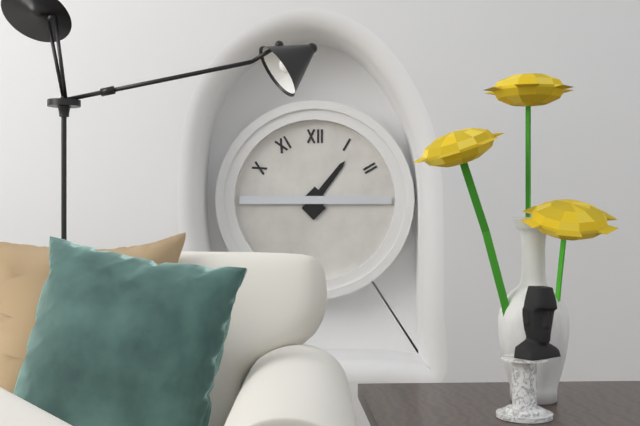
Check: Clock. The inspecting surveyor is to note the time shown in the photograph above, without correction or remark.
1:15
